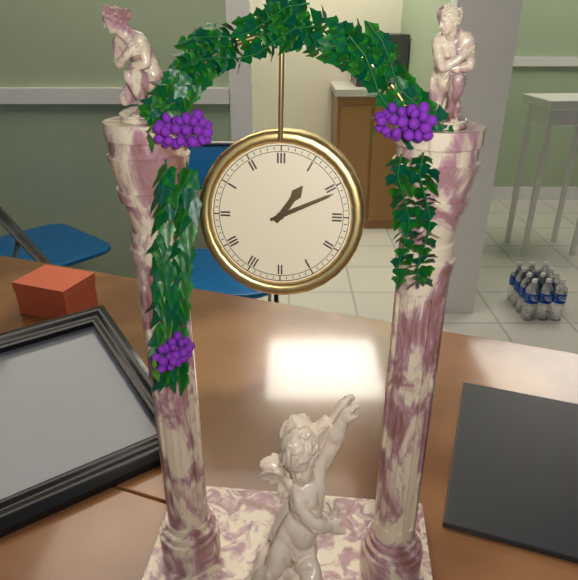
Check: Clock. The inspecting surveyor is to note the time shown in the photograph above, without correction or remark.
1:11
